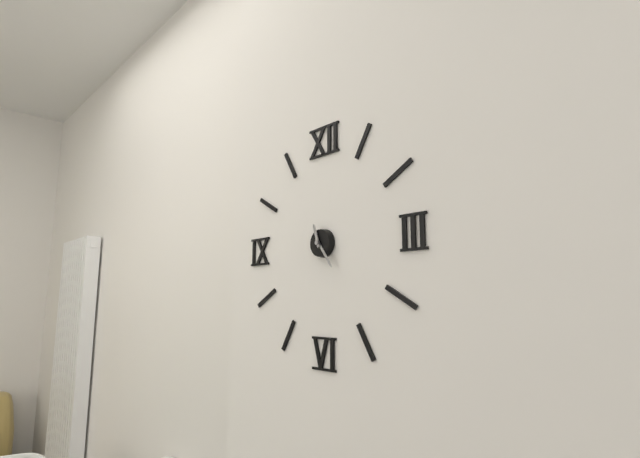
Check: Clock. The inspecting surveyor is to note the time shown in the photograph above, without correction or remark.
11:24
